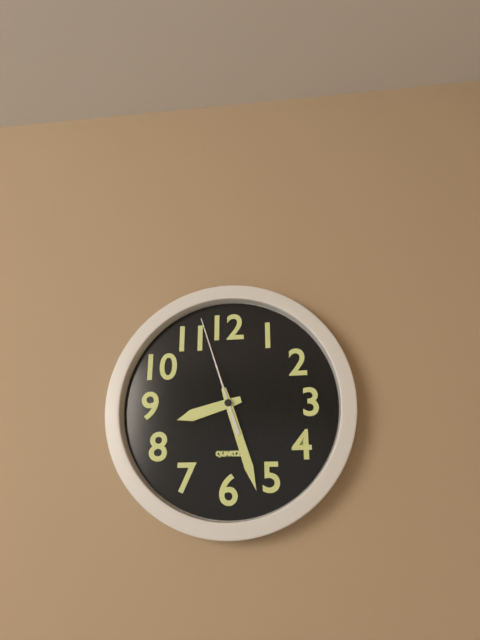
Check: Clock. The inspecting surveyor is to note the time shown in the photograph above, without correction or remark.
8:27:57
